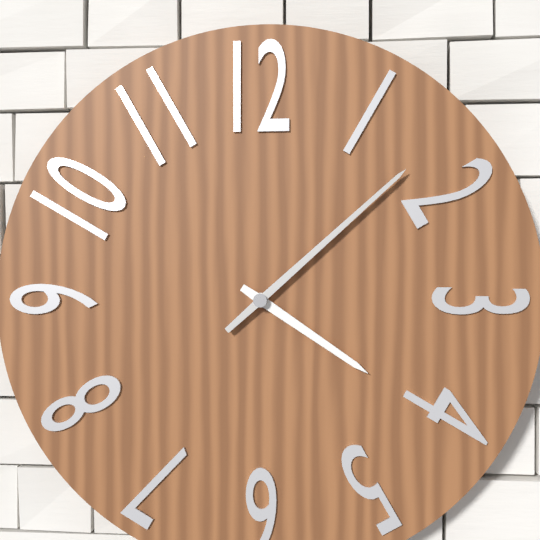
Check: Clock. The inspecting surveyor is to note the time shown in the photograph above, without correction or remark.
4:08
